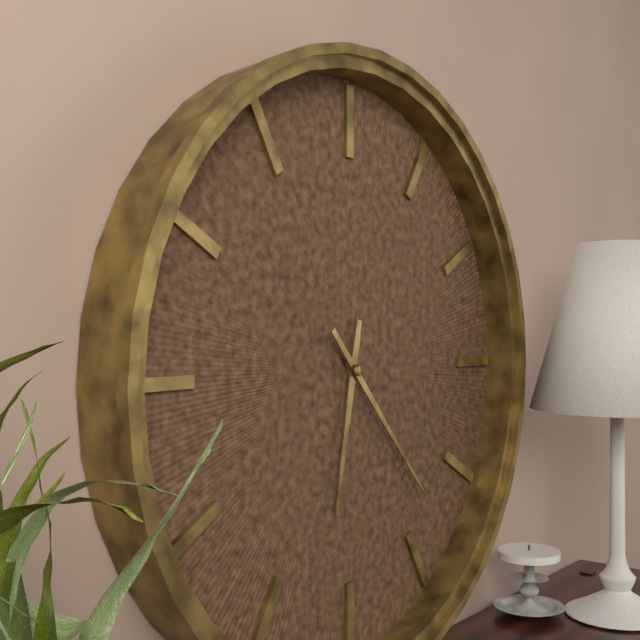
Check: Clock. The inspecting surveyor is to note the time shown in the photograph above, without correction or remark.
6:23
